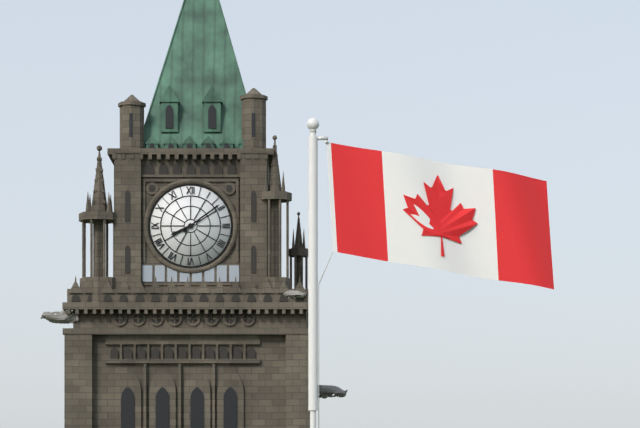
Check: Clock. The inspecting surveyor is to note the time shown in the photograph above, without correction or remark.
8:09
